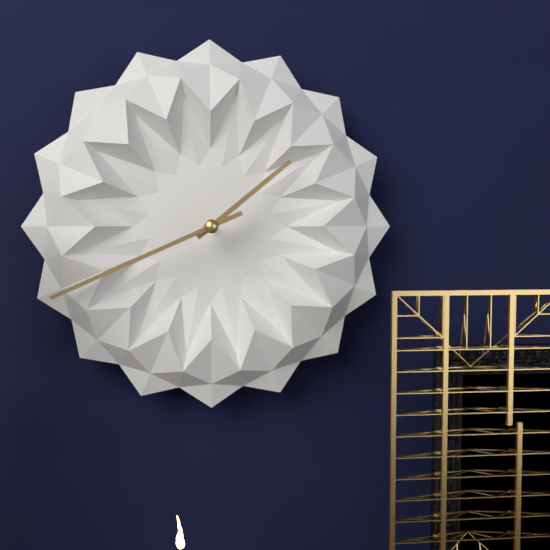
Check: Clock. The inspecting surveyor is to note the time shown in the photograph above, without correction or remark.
1:41
